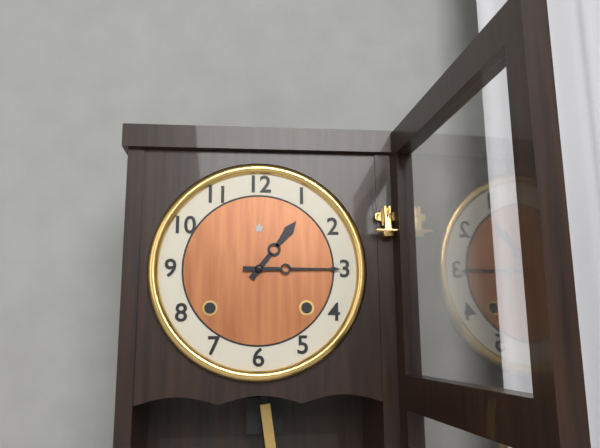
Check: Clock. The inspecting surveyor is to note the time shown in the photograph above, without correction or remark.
1:15
